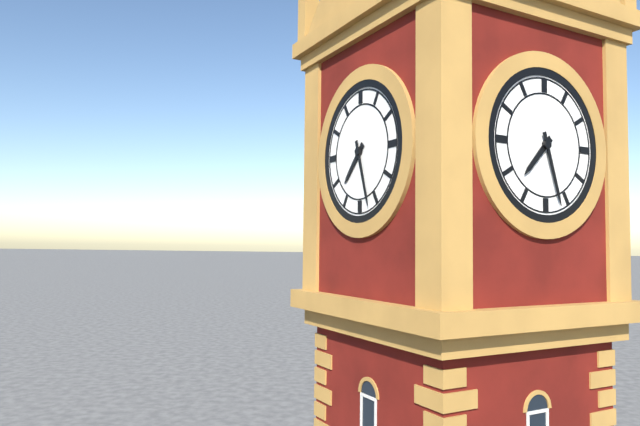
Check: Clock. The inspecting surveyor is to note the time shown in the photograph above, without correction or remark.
7:27
